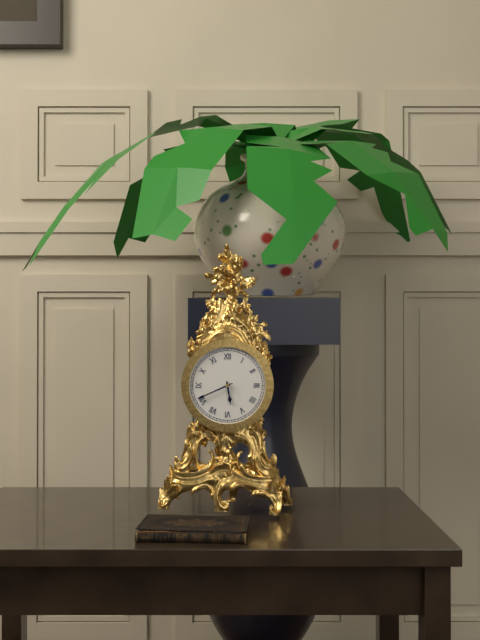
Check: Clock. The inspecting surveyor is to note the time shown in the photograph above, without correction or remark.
5:41
